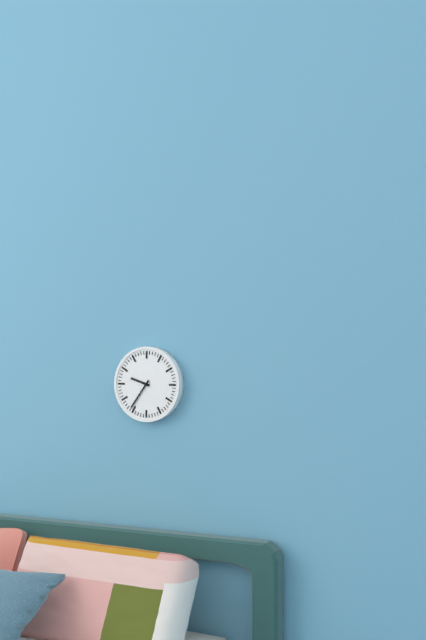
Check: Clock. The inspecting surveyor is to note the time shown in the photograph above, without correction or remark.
9:36
